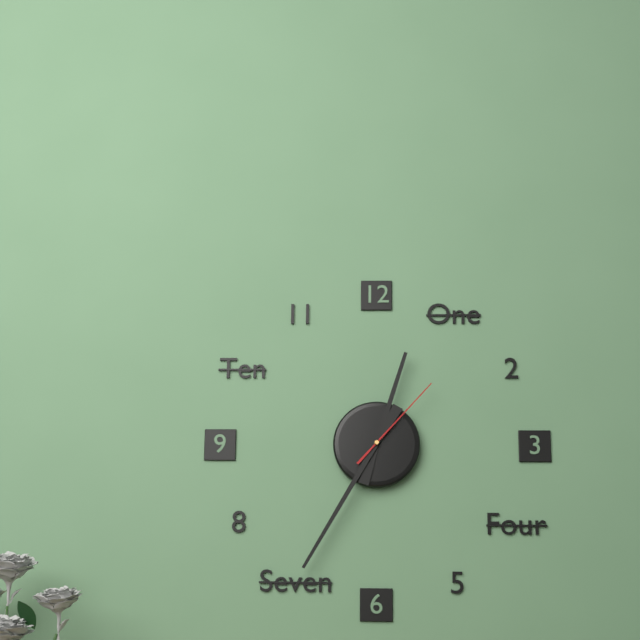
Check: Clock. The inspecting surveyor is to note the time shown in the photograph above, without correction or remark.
12:35:07
